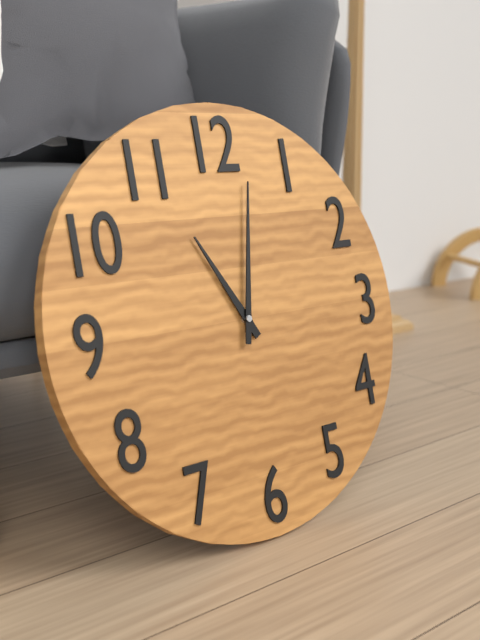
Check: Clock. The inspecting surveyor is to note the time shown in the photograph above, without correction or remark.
11:02
